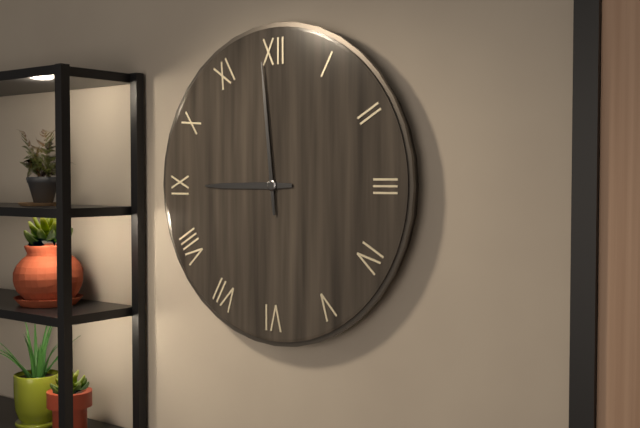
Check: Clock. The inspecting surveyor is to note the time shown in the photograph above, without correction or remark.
8:59
